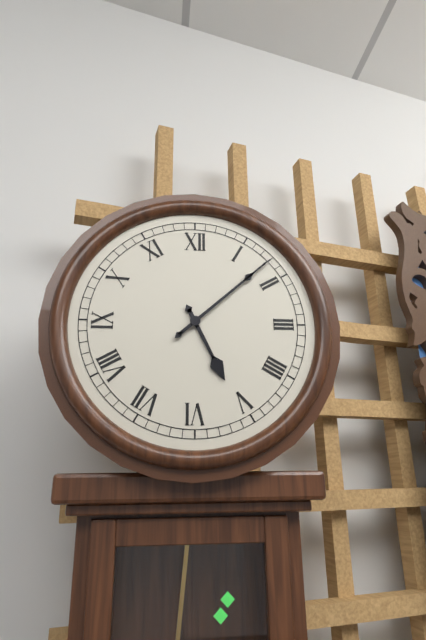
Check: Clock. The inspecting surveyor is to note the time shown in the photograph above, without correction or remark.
5:08
